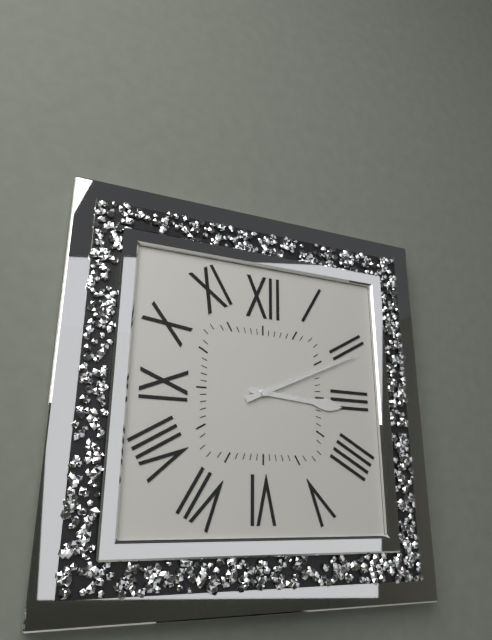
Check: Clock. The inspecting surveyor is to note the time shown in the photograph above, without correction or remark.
3:11
